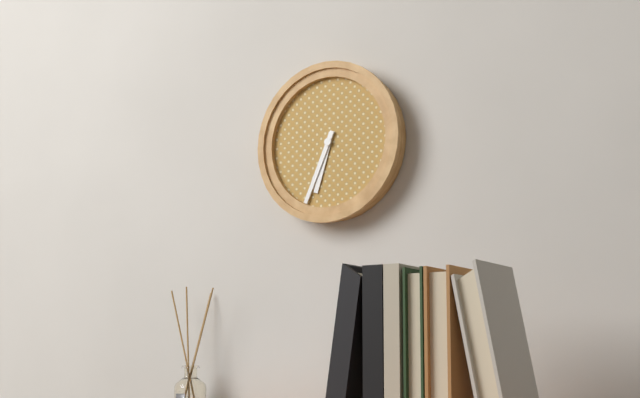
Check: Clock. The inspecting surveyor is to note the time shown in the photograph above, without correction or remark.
6:34
